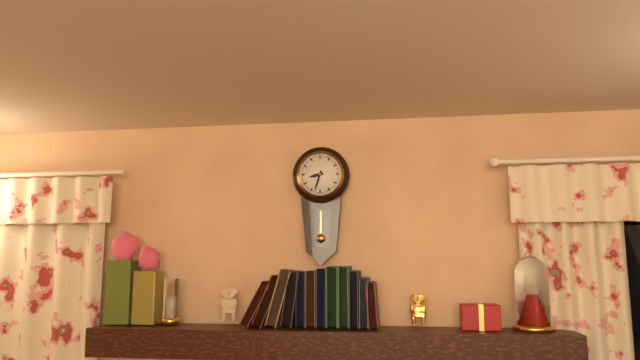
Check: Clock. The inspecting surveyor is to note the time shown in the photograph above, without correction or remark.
8:33
